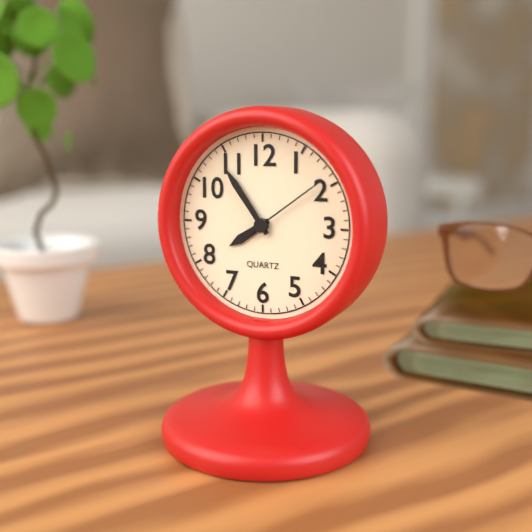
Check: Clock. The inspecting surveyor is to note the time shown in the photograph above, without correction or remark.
7:54:09
